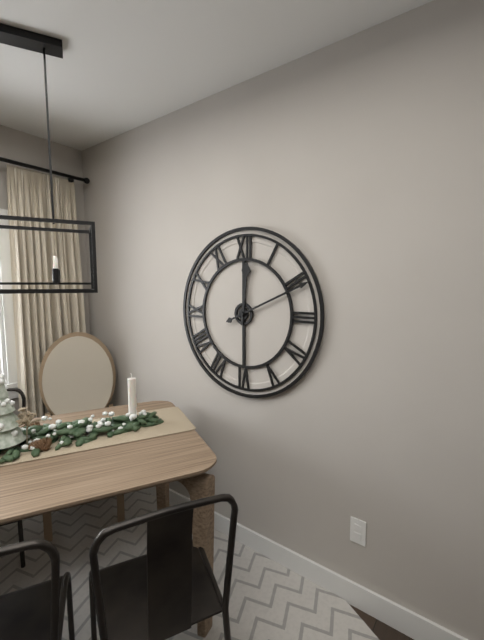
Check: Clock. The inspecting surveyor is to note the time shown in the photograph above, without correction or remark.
12:11
